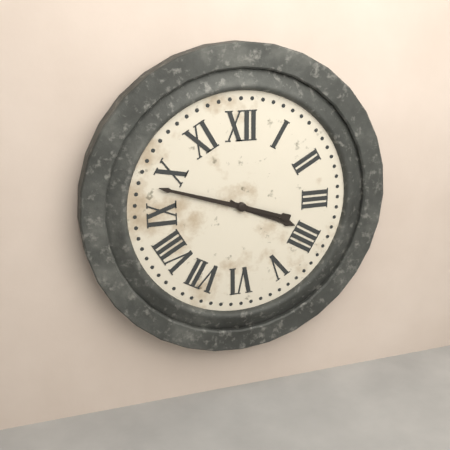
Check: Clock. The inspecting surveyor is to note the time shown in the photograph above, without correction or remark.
3:48
